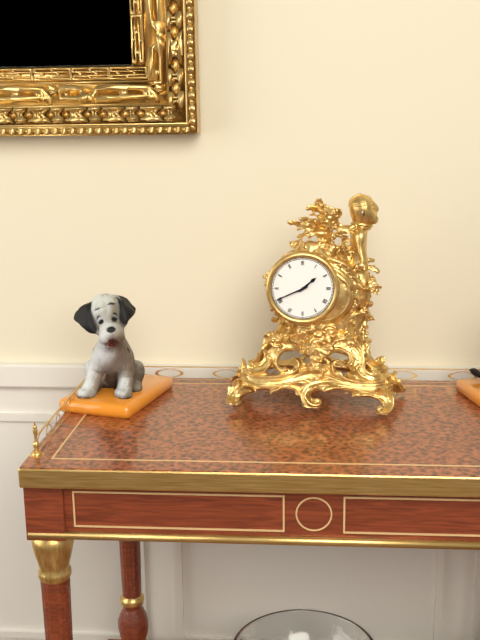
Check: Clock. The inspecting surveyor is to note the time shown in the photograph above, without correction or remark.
1:41
